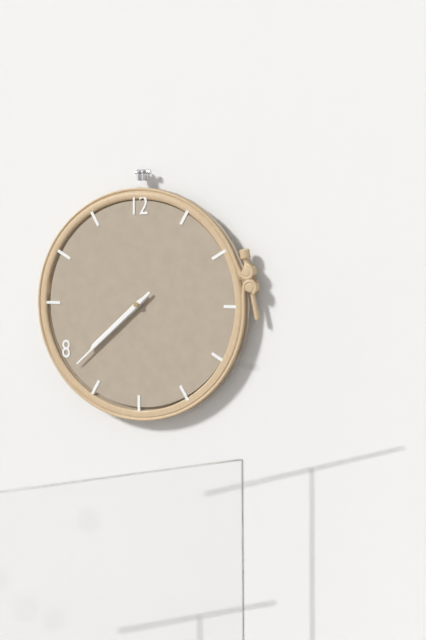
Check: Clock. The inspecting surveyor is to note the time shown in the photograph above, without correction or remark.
7:38
